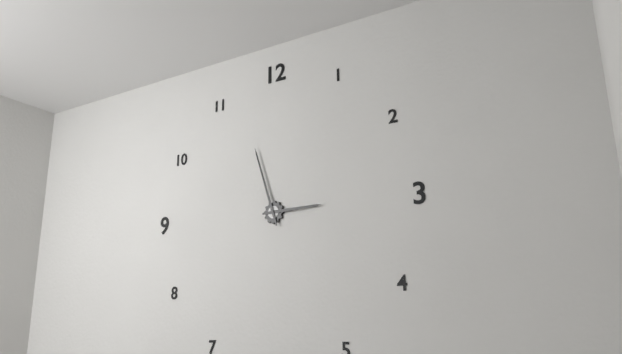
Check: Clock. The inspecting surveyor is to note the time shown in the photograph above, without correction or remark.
2:57
